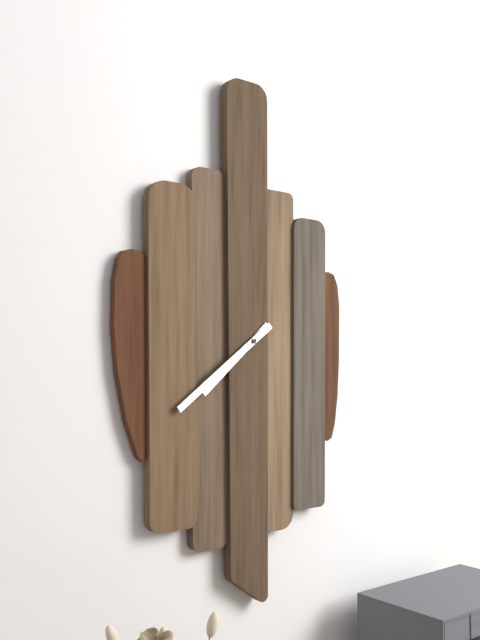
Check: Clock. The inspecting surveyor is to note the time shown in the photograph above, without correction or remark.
7:39
